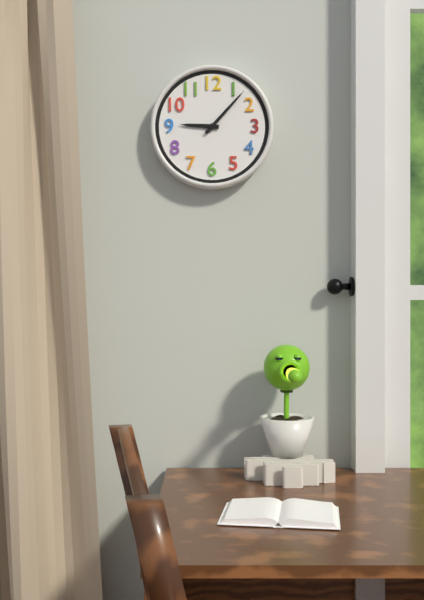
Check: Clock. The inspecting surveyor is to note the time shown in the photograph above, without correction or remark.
9:07
